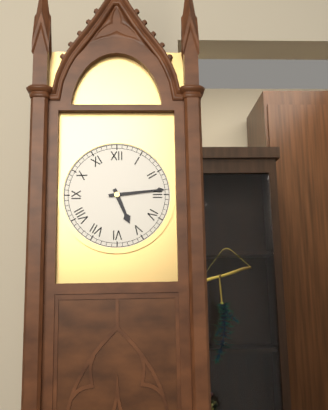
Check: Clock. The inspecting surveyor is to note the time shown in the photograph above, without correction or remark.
5:14
